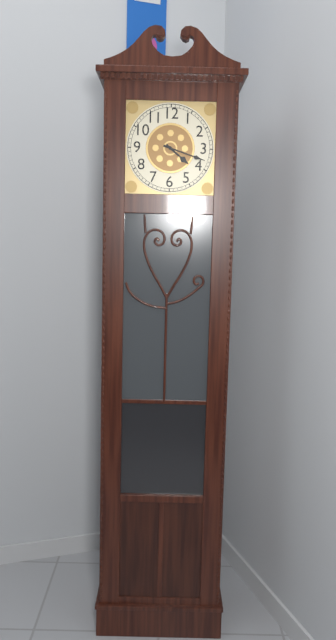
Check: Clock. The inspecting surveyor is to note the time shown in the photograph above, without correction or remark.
4:18
